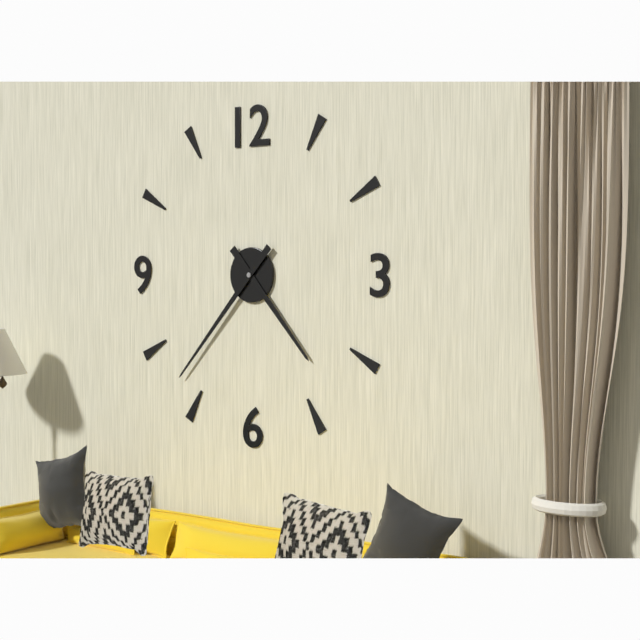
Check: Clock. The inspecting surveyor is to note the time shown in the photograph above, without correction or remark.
4:37
